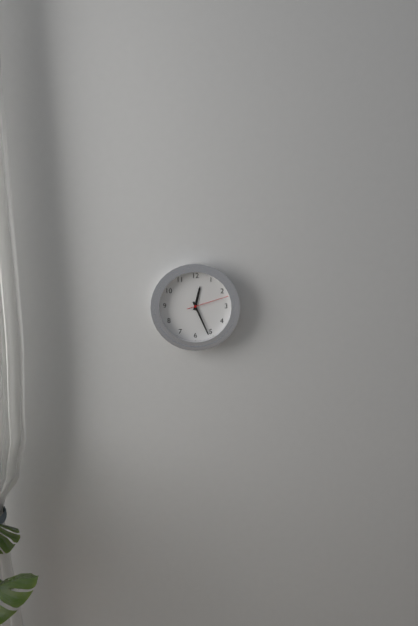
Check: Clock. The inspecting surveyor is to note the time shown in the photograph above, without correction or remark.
12:26
